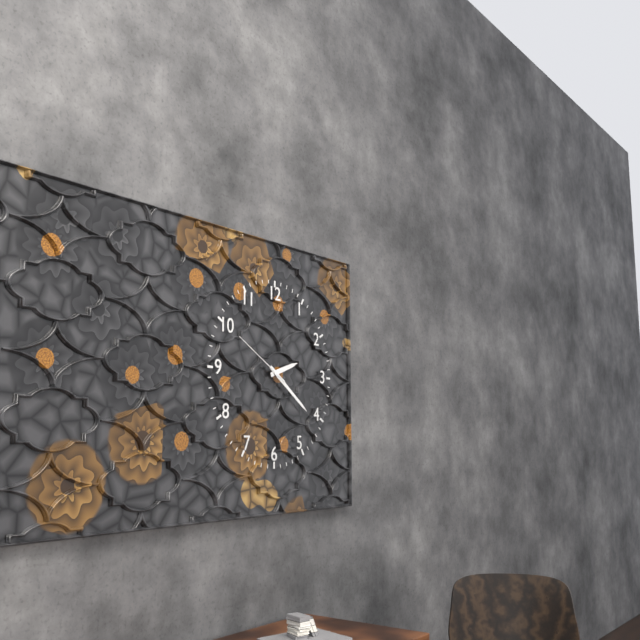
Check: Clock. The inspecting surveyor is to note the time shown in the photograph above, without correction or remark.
2:21:50
